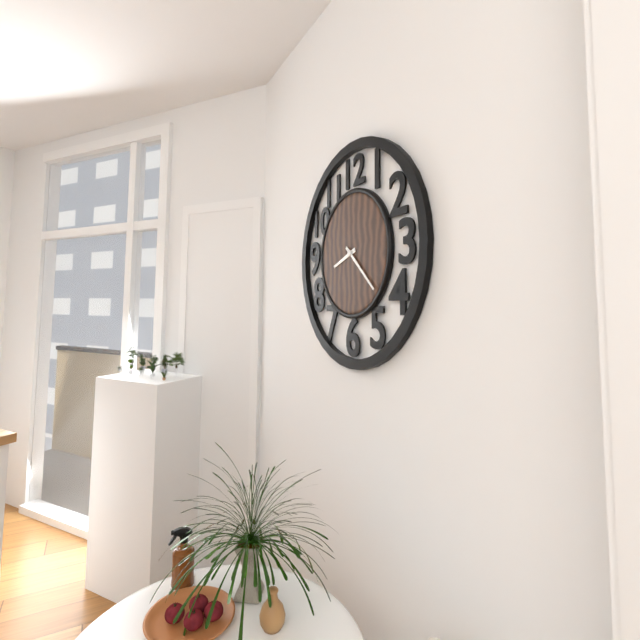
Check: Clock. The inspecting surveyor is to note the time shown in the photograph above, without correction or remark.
8:22
